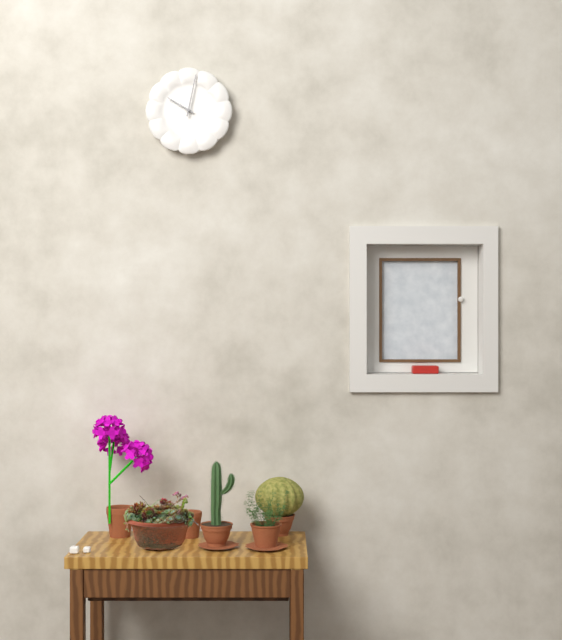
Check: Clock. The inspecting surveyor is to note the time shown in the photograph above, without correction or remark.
10:02
